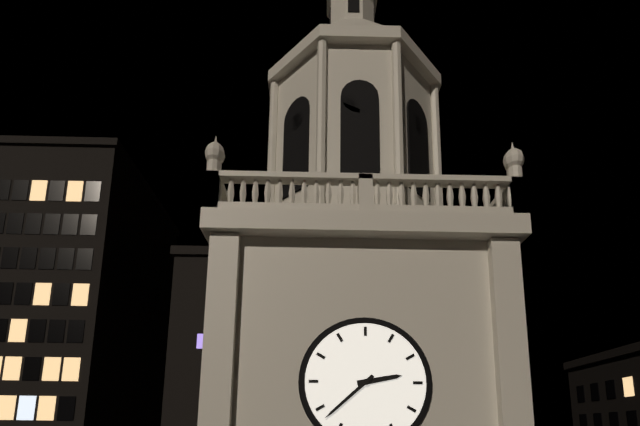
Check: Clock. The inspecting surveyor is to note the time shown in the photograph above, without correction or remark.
2:38
